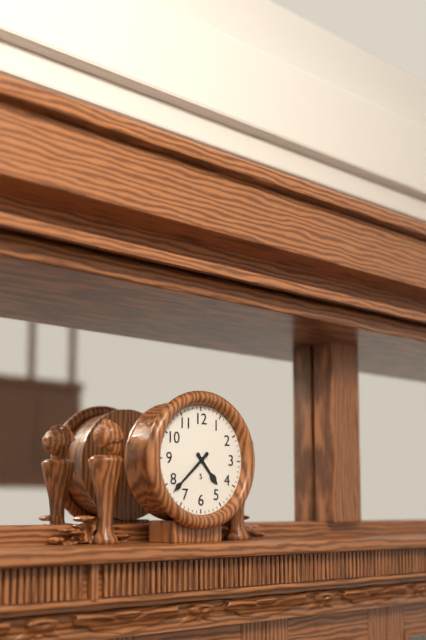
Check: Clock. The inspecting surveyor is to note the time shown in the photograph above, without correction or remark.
4:38
